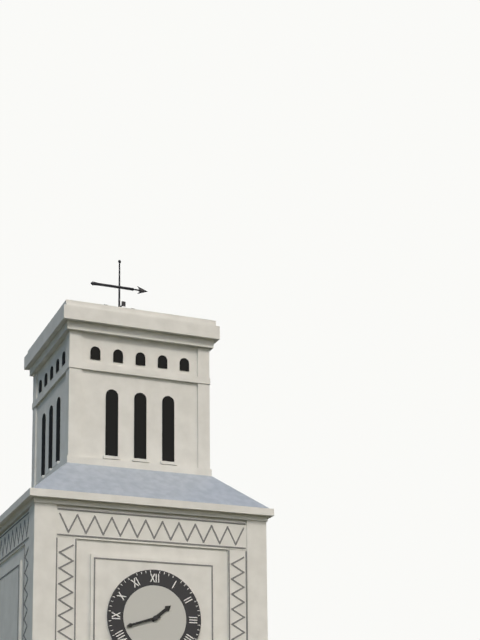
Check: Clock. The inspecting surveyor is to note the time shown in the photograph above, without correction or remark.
1:42
